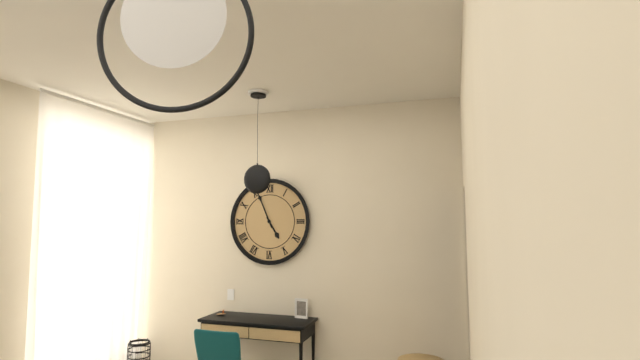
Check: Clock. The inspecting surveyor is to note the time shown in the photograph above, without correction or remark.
4:56
